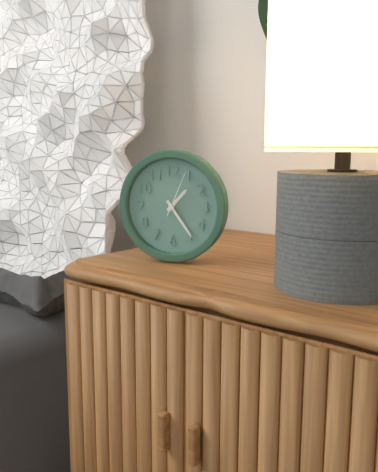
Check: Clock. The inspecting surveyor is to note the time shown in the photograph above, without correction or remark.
1:24
